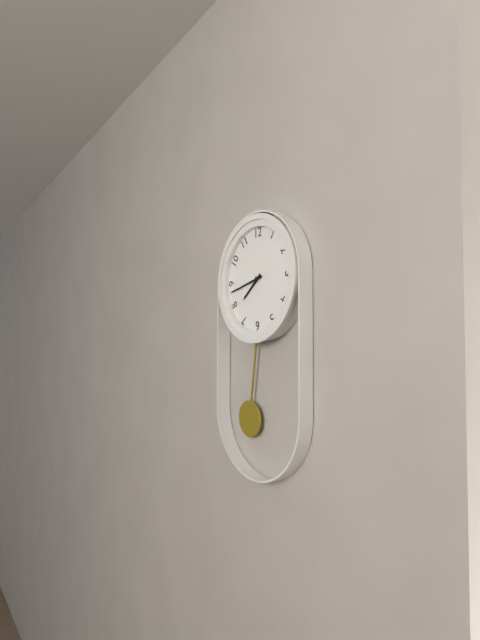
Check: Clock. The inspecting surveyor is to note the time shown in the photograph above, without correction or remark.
7:43
